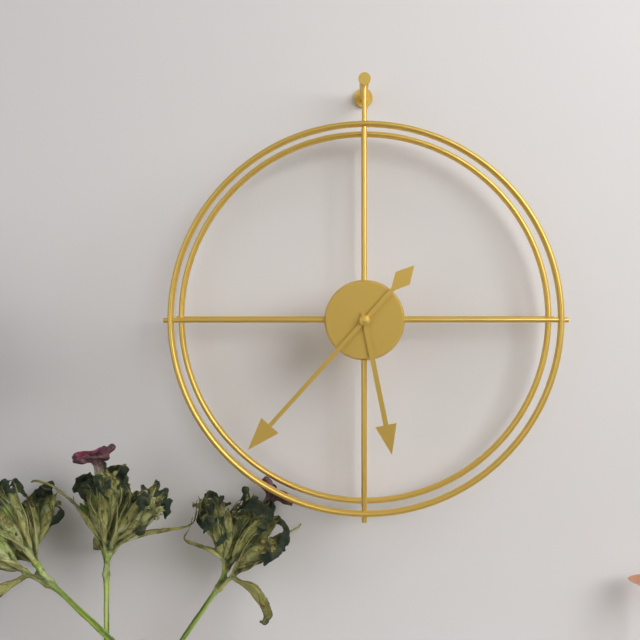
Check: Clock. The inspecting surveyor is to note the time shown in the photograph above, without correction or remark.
5:37
